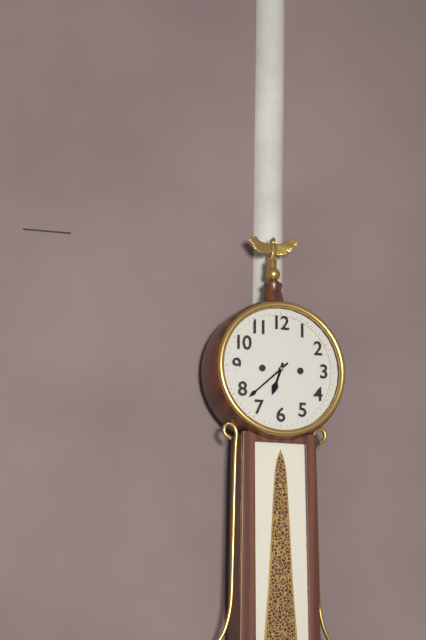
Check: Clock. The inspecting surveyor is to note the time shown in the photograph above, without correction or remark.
6:38
